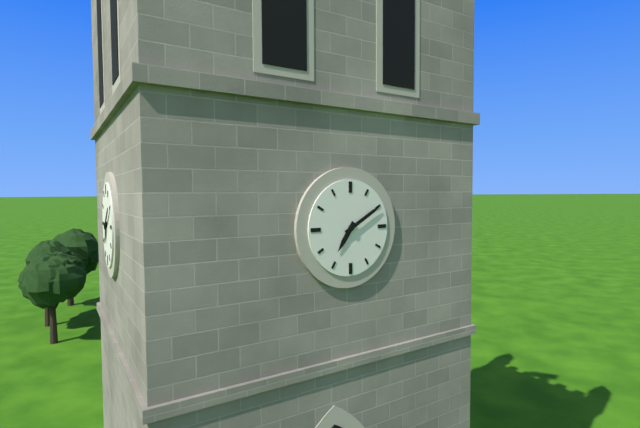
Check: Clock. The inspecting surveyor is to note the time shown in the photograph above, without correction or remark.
7:10
